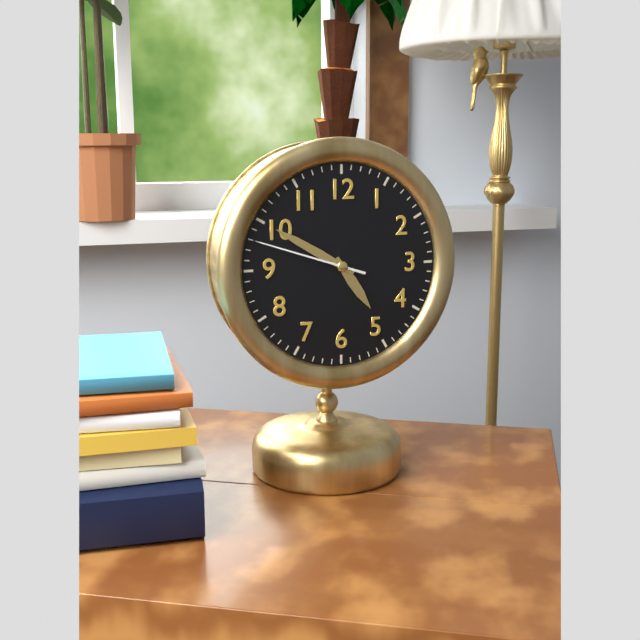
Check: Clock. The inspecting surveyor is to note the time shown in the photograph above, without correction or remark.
4:50:48
